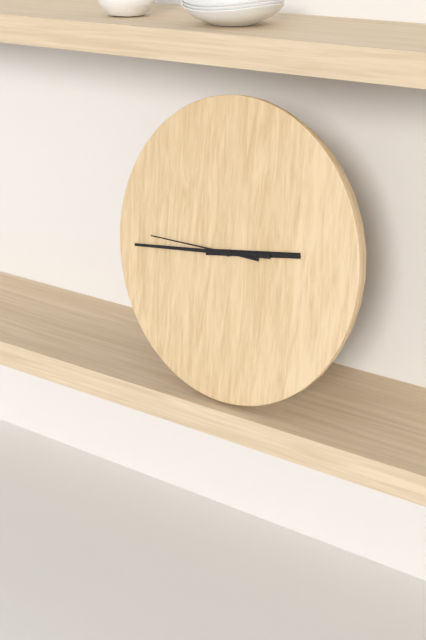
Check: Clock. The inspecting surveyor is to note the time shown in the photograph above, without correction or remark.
2:44:45
